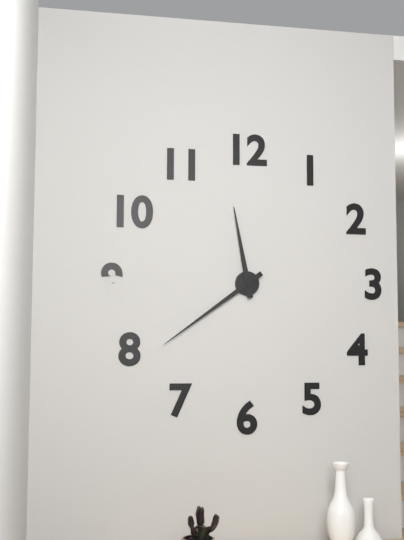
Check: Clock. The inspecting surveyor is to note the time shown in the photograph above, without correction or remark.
11:39
